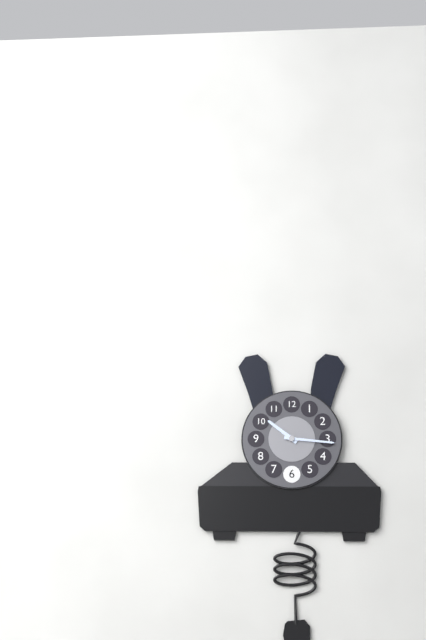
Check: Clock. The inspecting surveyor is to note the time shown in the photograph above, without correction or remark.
10:16
